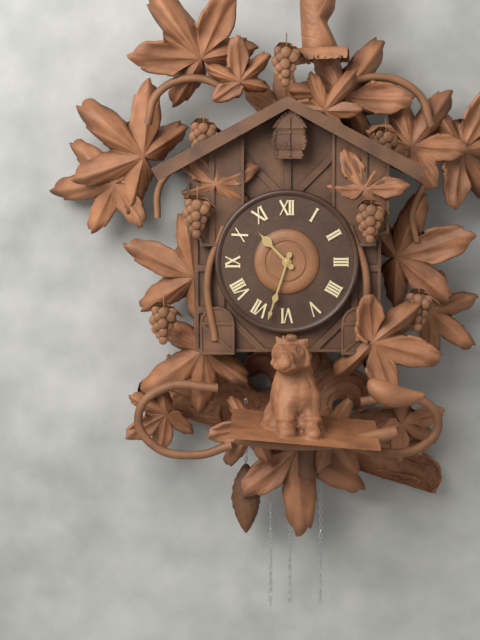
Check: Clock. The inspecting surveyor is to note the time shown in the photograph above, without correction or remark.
10:33
